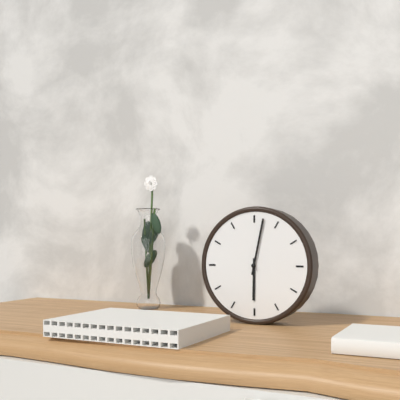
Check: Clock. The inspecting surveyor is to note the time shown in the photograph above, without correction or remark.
6:02
